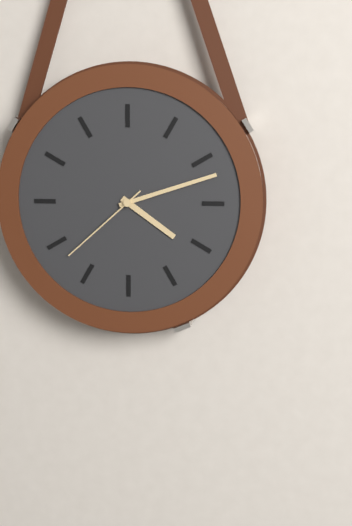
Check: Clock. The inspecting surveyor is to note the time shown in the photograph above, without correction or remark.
4:12:38
